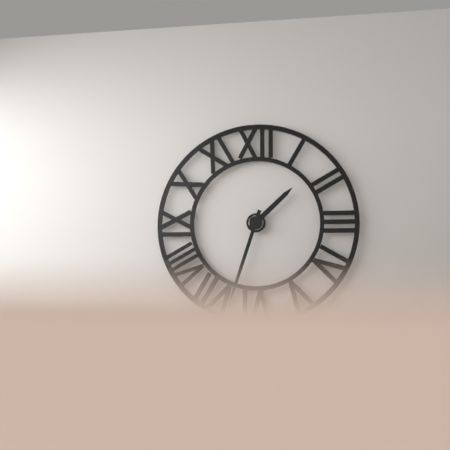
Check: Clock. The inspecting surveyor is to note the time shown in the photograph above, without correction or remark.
1:33
